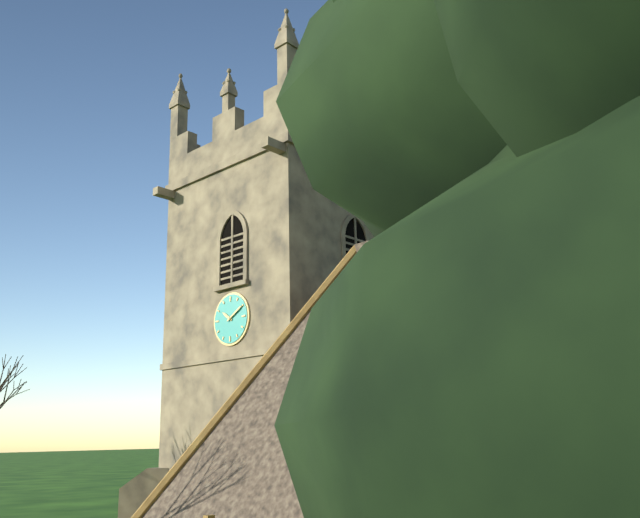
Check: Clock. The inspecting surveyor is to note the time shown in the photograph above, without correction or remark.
10:10
